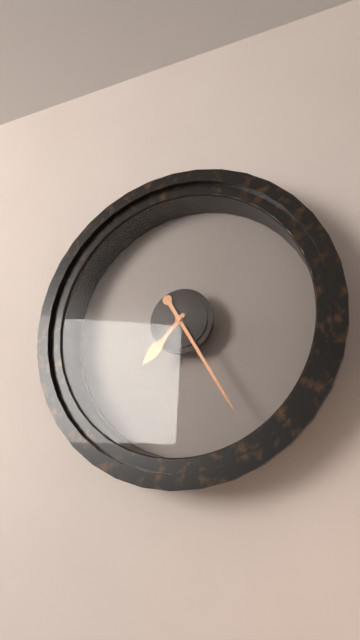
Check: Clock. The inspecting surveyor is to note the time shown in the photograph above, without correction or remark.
7:25
